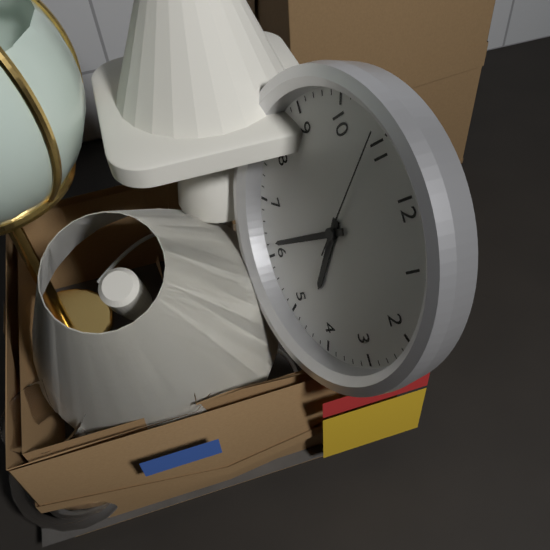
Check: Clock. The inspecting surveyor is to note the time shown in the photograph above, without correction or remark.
4:31:54
